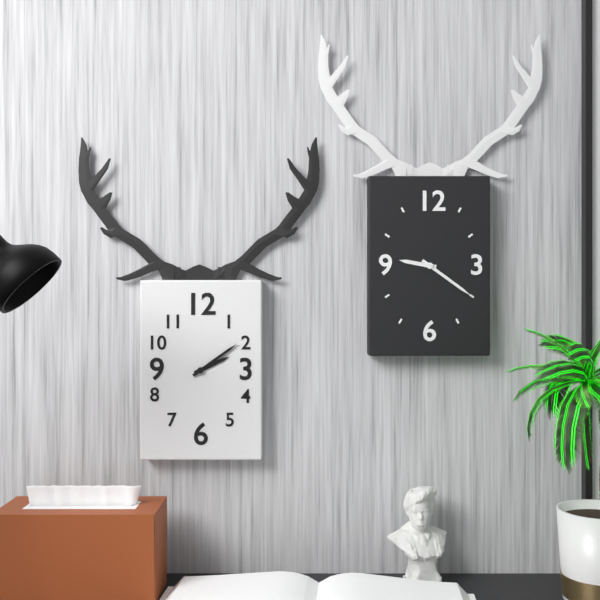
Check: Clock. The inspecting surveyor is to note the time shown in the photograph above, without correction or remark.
2:09
